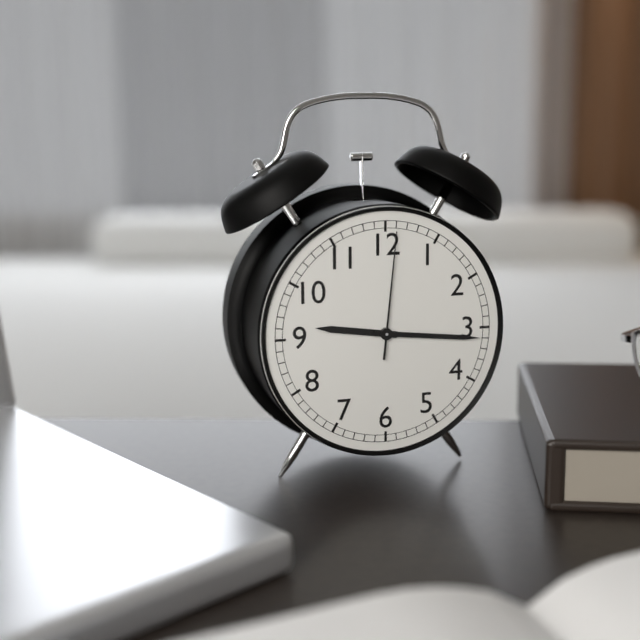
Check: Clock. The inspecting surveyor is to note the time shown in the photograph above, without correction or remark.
9:16:01
